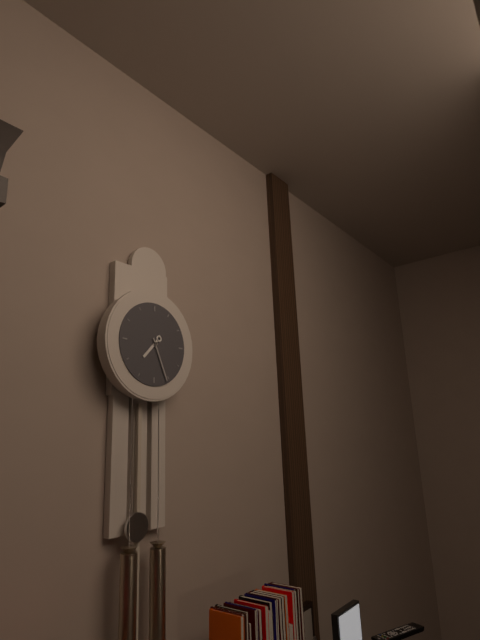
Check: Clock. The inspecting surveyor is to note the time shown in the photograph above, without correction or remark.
7:26
